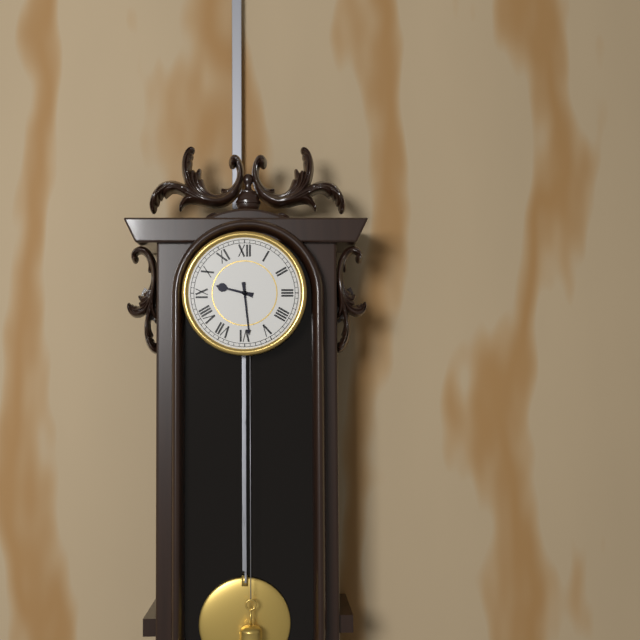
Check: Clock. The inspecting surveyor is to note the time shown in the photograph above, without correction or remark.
9:29
